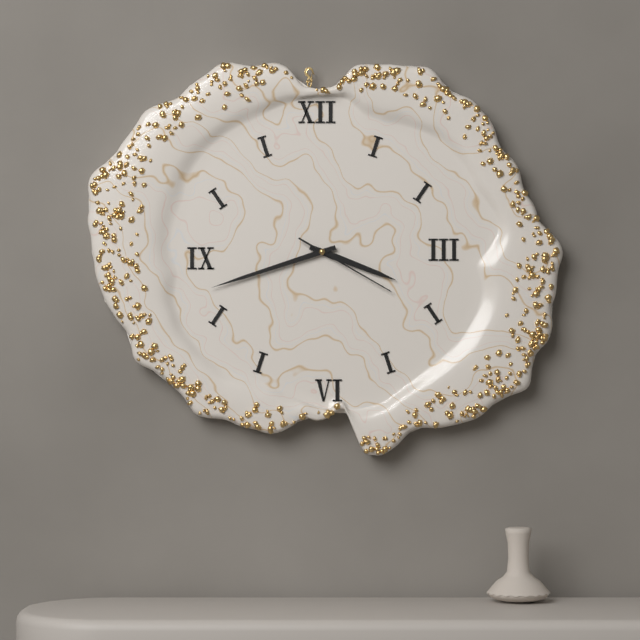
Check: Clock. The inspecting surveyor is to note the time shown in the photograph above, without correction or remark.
3:42:20
